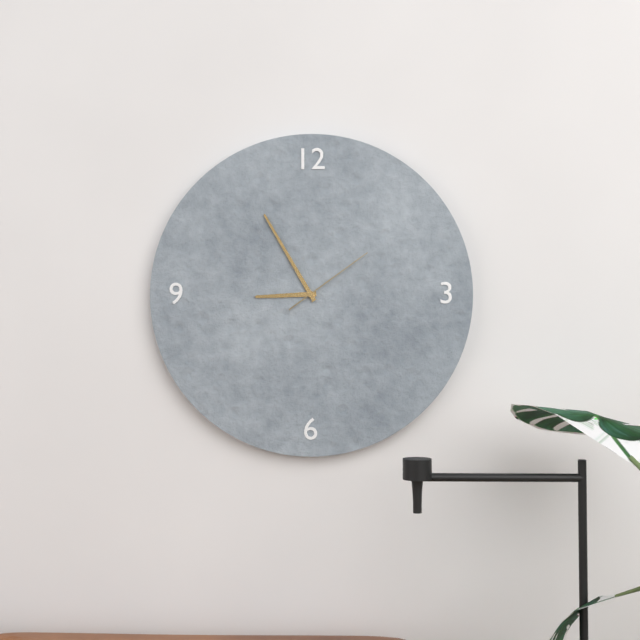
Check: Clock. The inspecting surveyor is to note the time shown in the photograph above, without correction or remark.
8:55:09
